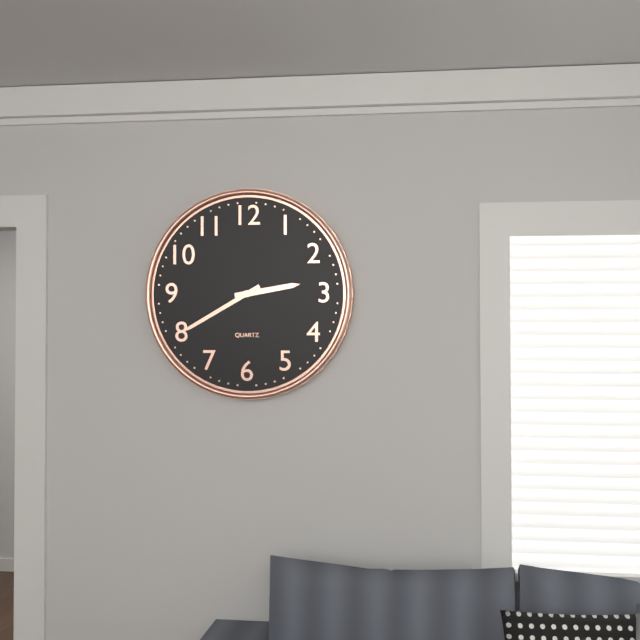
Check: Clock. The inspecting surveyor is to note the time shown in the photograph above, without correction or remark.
2:40
